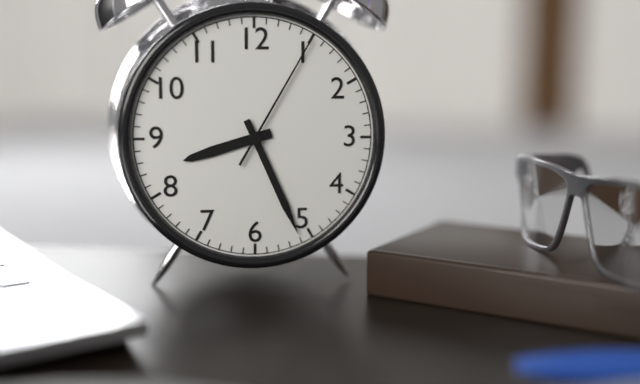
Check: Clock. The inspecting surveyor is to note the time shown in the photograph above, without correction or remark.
8:26:05
